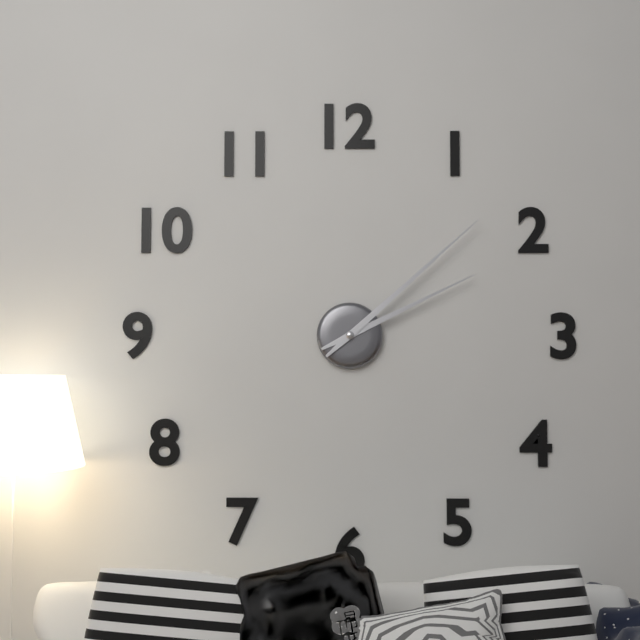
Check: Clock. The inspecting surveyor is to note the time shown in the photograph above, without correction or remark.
2:08
